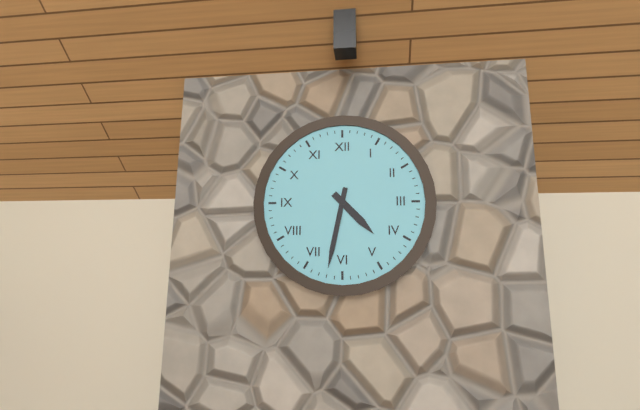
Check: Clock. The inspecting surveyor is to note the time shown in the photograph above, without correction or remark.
4:32
